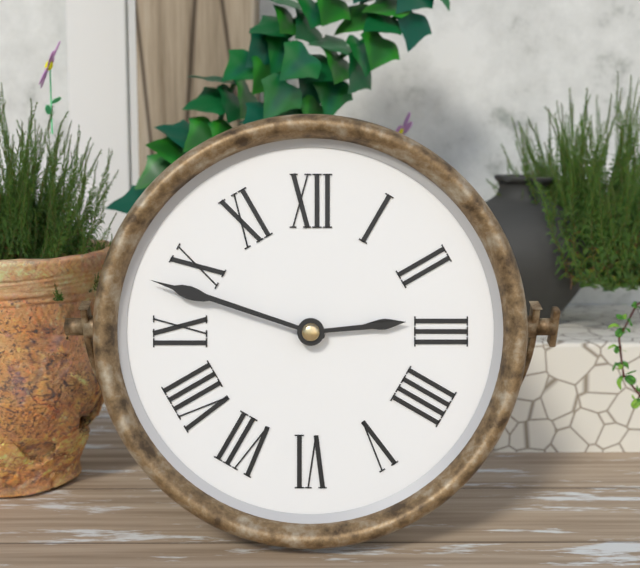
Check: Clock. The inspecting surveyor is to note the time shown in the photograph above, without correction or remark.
2:48
